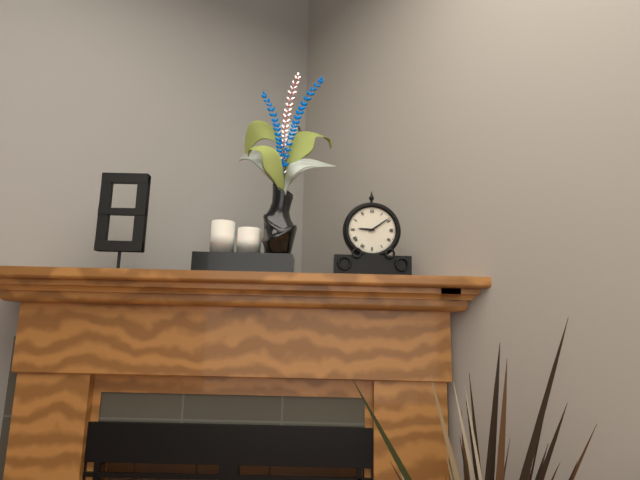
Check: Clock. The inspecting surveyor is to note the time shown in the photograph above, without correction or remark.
9:09
